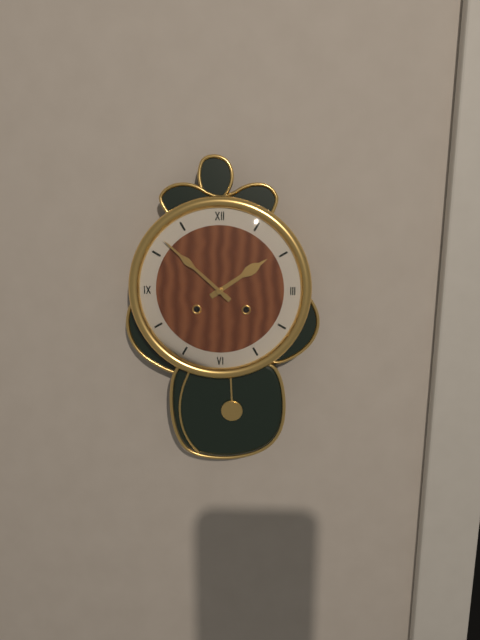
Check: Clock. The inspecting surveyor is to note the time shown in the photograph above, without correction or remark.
1:52
